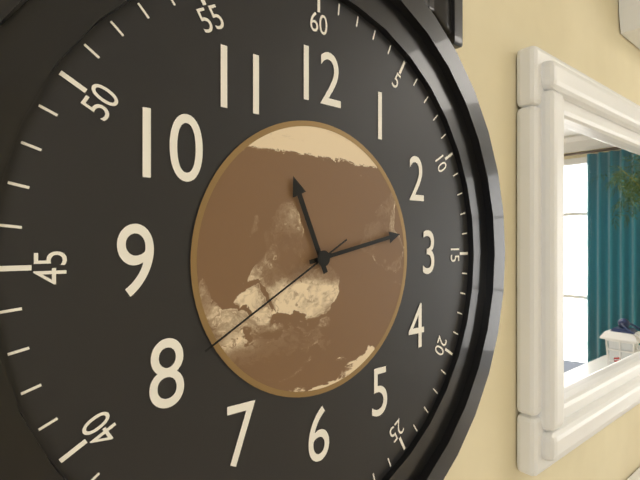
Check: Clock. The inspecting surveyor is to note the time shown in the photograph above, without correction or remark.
11:13:40
